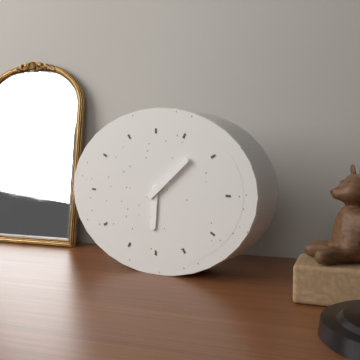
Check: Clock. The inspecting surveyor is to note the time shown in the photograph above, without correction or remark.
6:08
